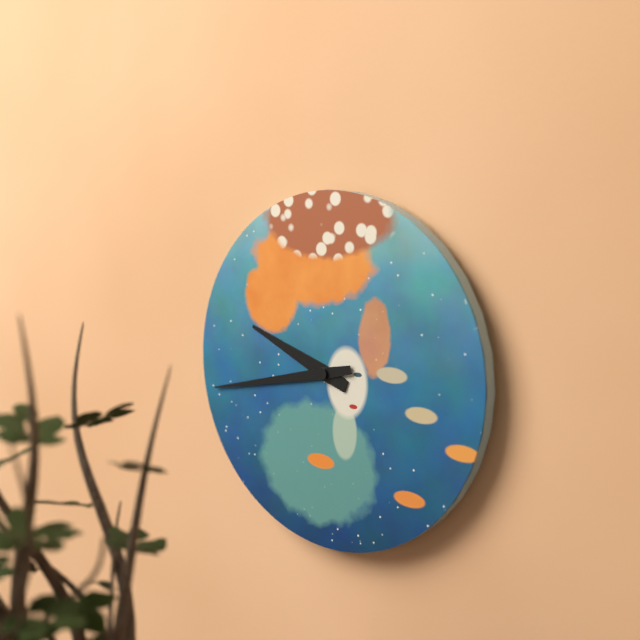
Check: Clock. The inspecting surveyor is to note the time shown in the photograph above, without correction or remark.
9:43
